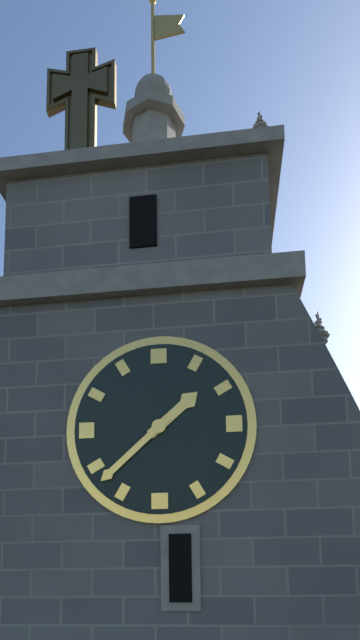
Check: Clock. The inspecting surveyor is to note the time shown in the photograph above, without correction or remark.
1:38
